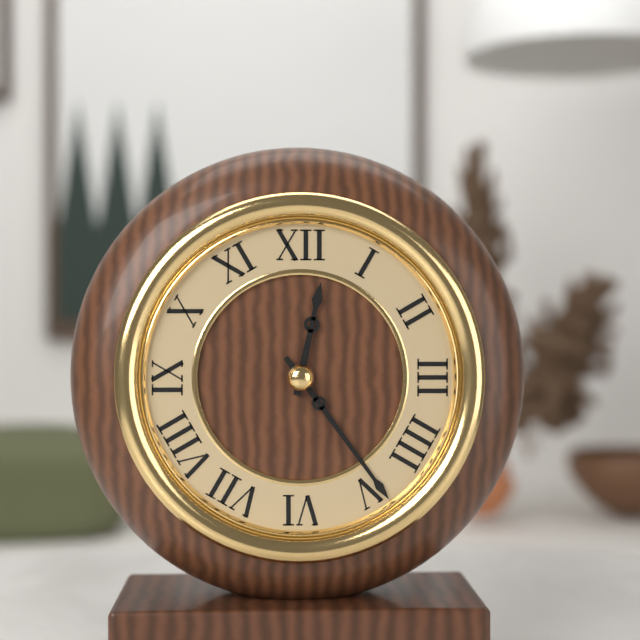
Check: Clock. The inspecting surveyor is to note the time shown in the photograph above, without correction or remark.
12:24
